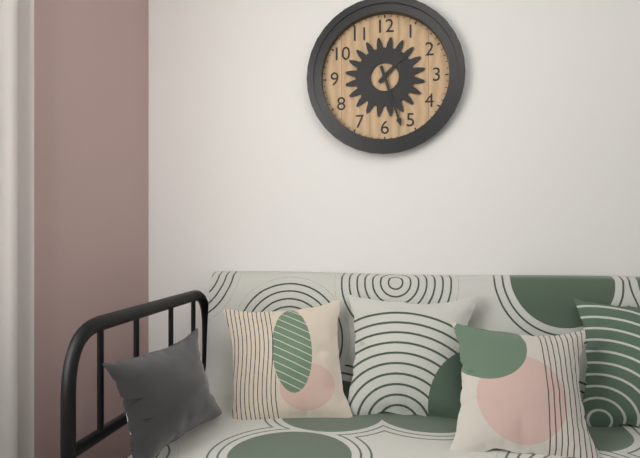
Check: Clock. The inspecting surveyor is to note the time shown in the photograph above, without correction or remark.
1:27
